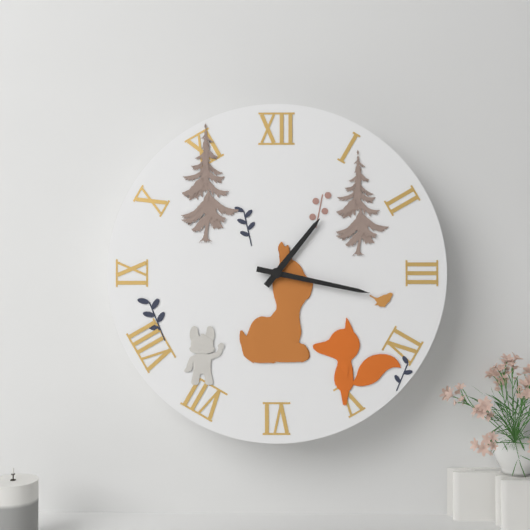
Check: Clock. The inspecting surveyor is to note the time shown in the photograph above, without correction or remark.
1:17
